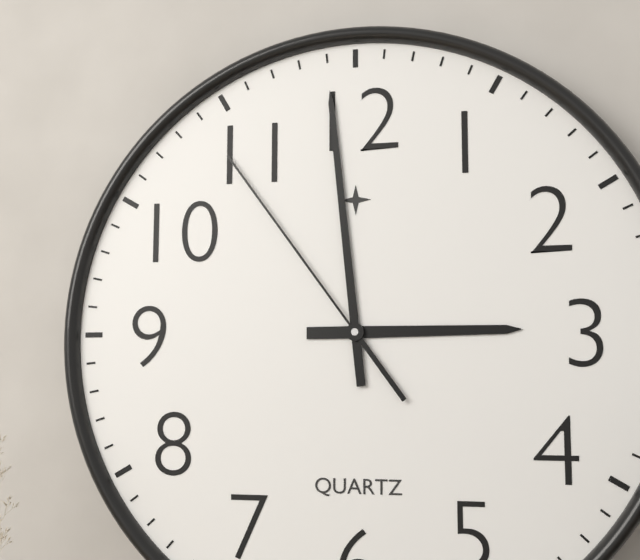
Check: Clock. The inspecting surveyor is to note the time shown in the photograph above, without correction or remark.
2:59:54
